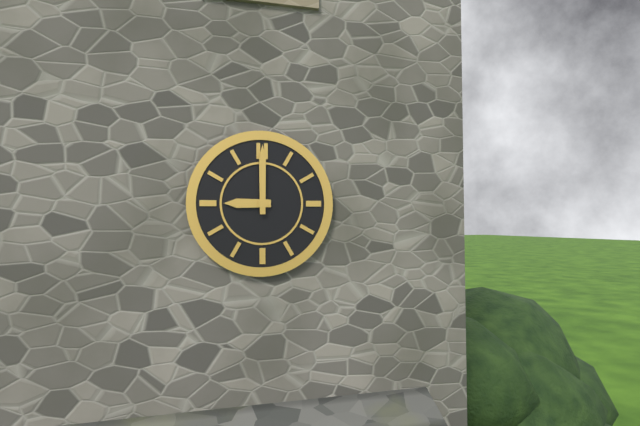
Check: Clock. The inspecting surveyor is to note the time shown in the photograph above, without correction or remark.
9:00
